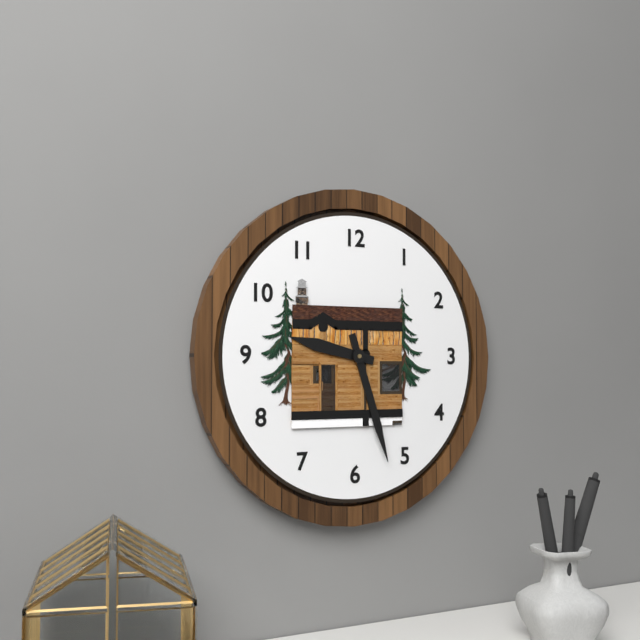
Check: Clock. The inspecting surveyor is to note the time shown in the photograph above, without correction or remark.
9:27
